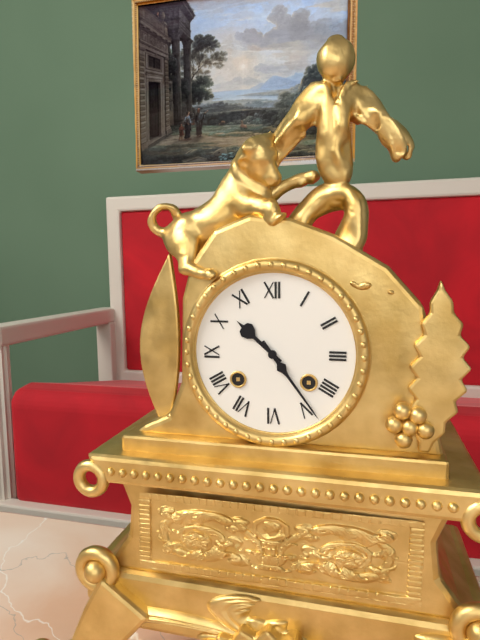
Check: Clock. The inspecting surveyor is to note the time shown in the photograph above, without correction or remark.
10:24
